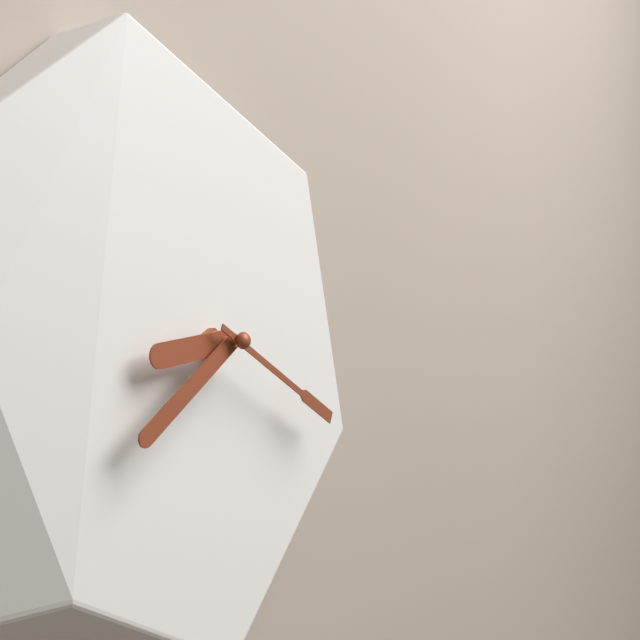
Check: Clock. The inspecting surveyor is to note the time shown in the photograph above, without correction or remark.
8:39:19
